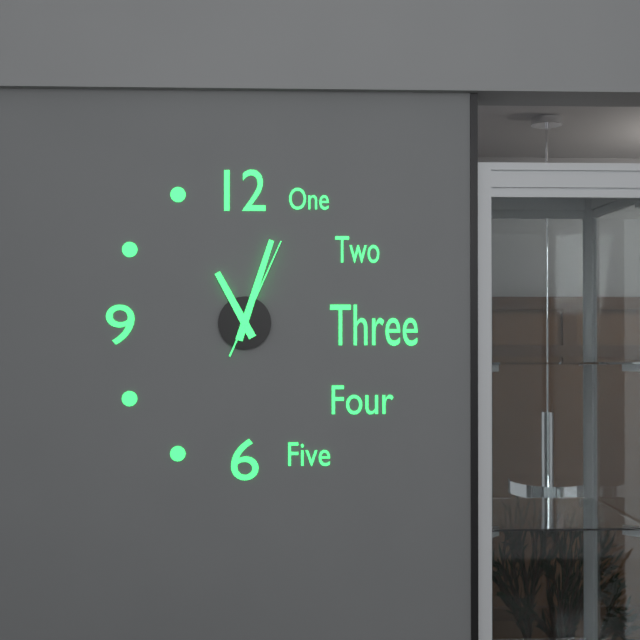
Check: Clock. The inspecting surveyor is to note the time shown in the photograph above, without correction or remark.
11:03:04
